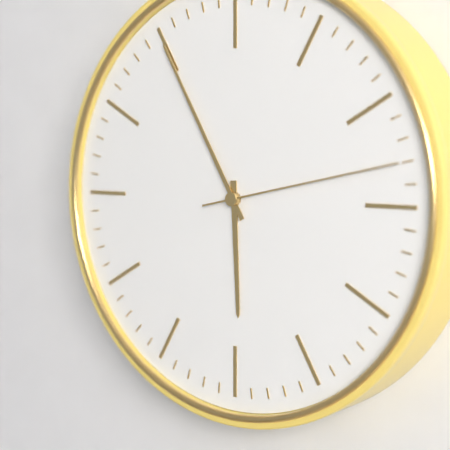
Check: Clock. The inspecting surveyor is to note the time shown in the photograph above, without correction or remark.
5:55:13
